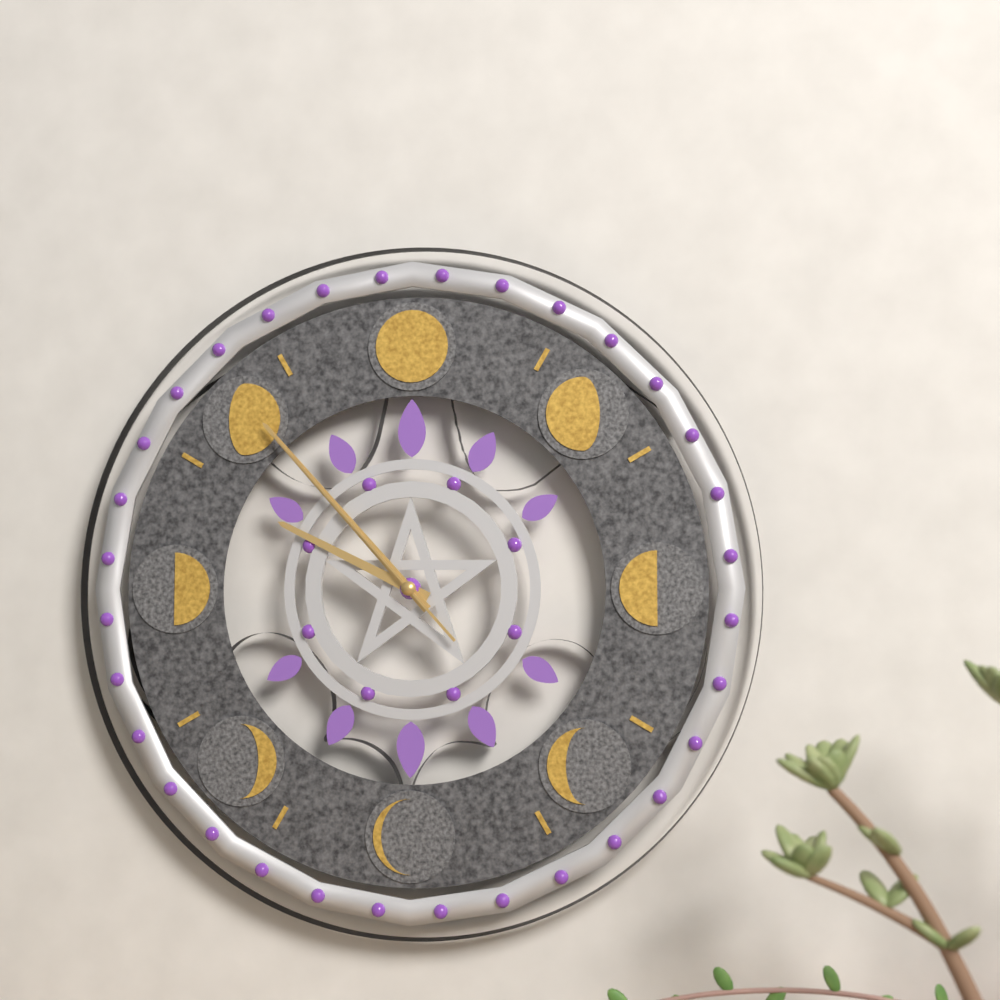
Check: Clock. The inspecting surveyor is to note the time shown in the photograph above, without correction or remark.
9:53:53
